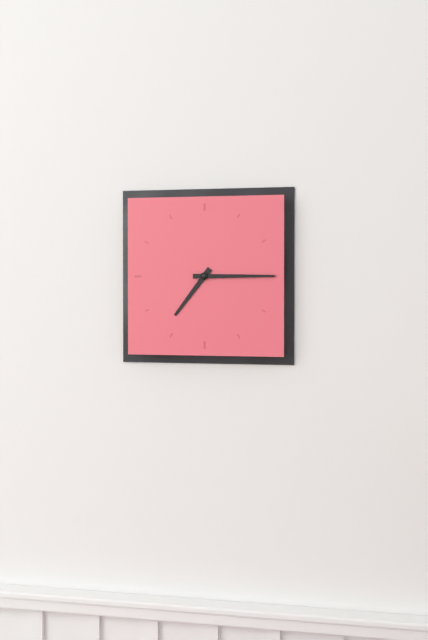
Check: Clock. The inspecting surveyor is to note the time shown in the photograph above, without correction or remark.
7:15
